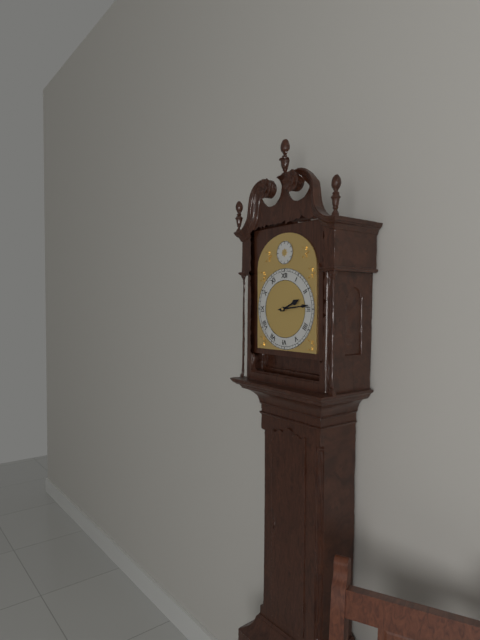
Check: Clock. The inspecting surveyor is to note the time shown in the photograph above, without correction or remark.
2:14
